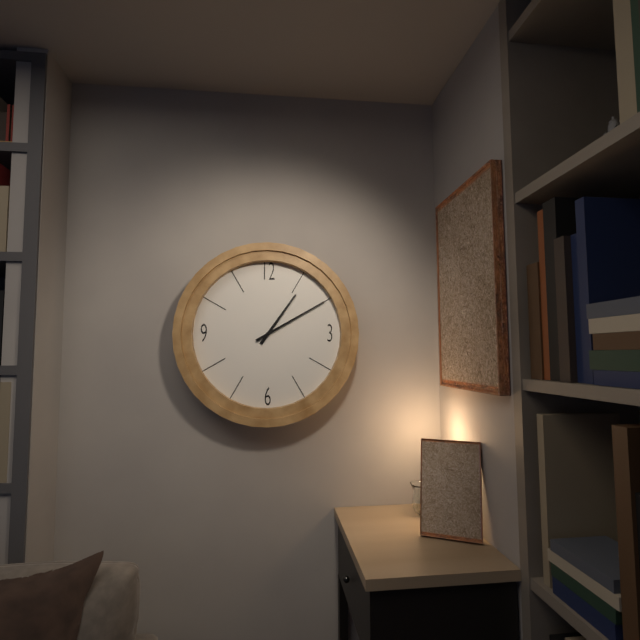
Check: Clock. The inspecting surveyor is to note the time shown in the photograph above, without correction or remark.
1:10
